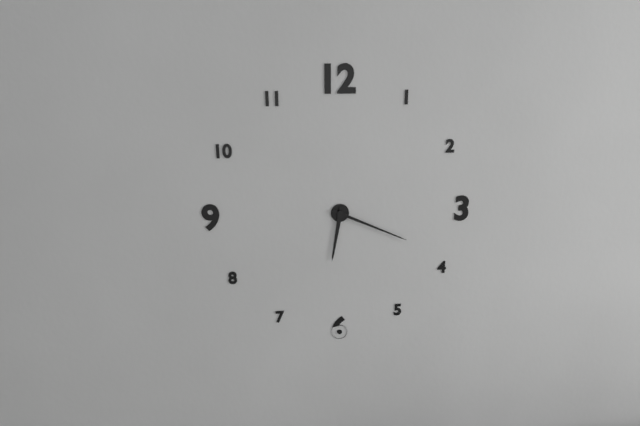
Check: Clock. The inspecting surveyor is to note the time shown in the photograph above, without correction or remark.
6:19
